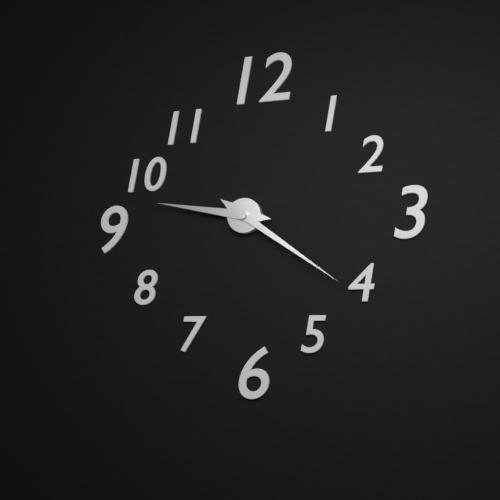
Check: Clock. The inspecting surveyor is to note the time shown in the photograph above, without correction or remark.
9:21
